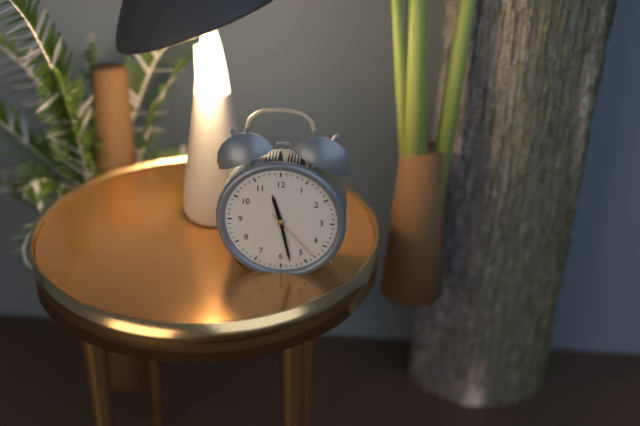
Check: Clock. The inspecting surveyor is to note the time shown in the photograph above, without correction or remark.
11:28:23
